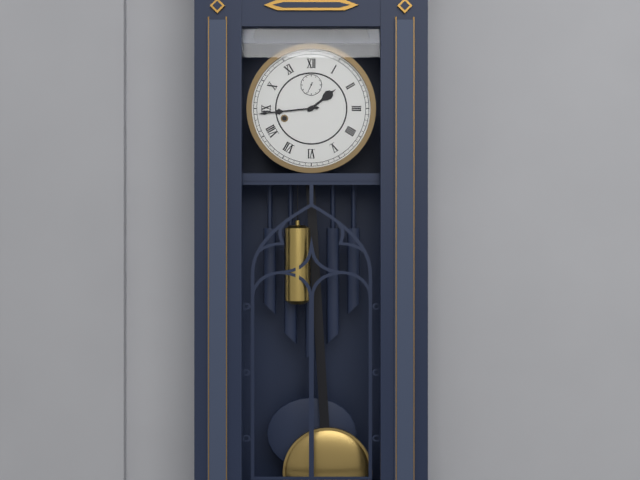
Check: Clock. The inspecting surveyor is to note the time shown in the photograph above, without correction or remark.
1:44
